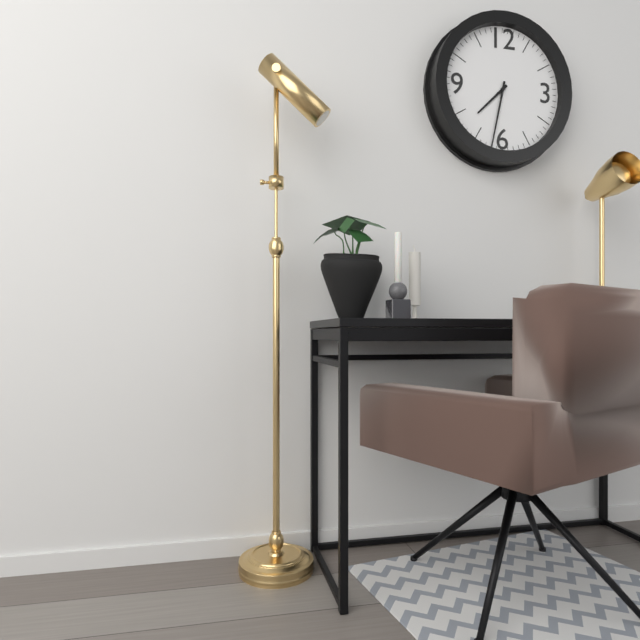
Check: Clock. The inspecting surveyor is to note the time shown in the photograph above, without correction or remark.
7:32
